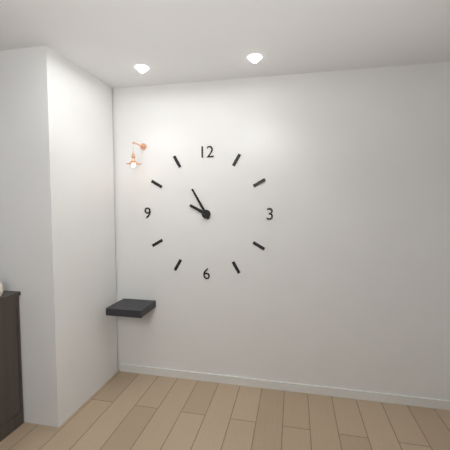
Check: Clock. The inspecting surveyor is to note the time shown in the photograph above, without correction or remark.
9:55
